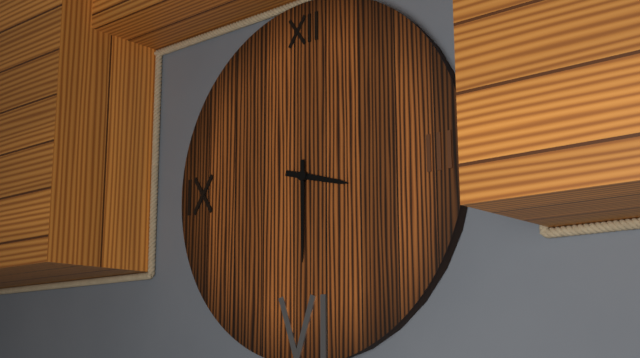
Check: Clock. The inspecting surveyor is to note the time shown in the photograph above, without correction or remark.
3:30
